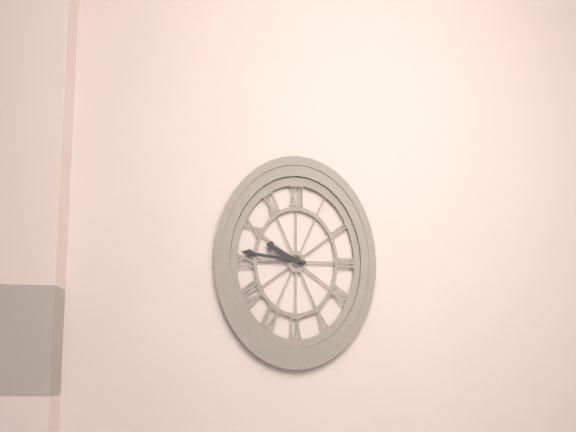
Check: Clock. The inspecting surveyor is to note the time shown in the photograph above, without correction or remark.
9:46
